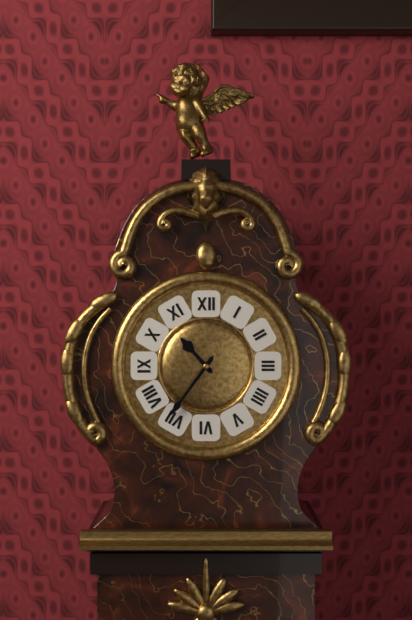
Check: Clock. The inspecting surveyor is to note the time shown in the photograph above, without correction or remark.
10:36
